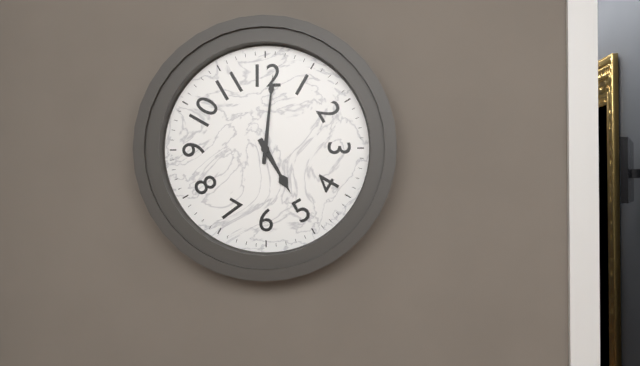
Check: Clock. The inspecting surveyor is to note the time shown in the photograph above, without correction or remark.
5:01
